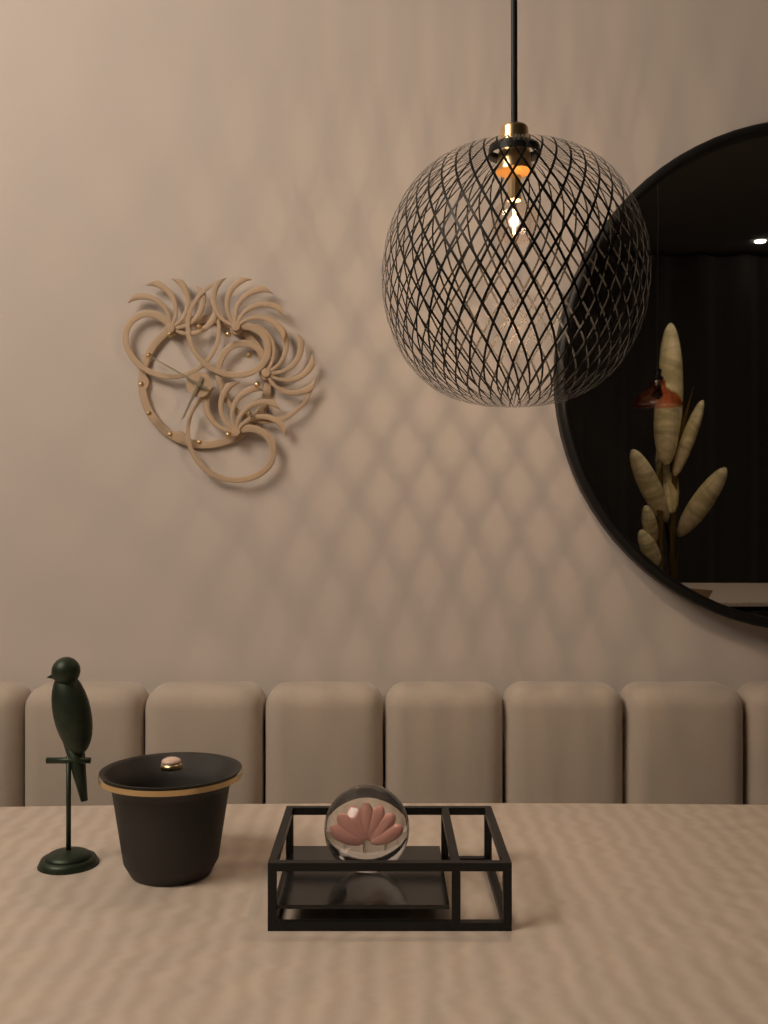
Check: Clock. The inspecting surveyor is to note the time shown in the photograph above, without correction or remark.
6:50
